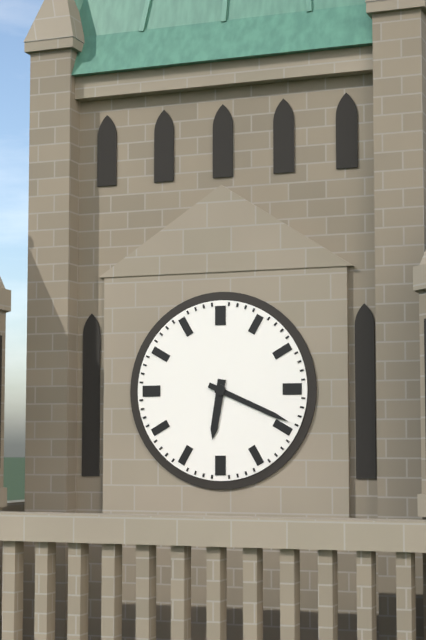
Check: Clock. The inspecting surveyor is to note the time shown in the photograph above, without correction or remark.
6:19
